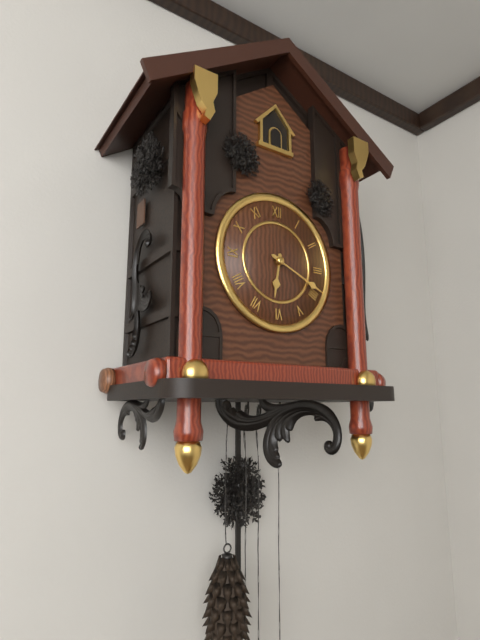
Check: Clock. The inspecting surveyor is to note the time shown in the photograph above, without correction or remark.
6:19
